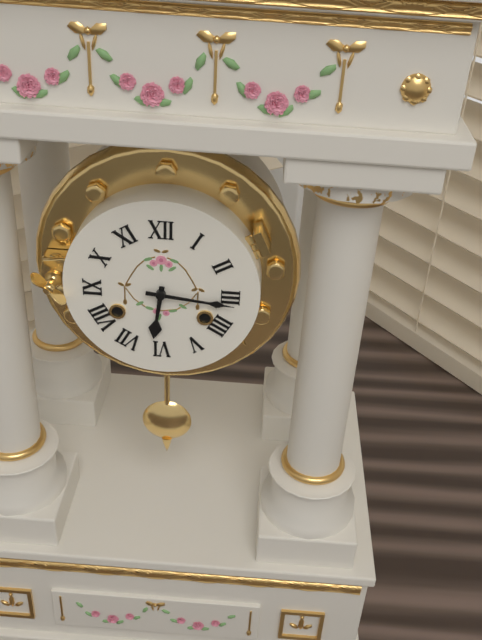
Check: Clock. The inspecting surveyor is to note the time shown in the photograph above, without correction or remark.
6:16
